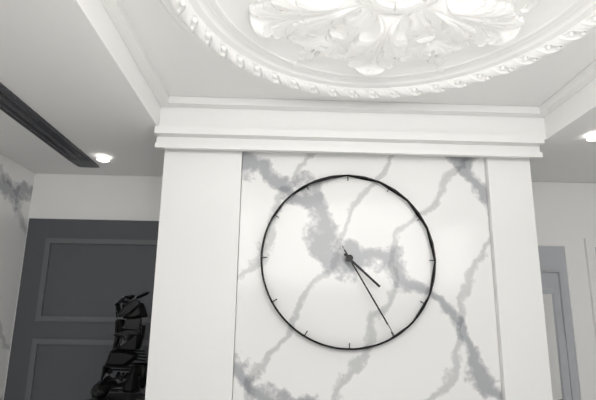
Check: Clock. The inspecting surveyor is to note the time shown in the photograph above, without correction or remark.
4:25:25
